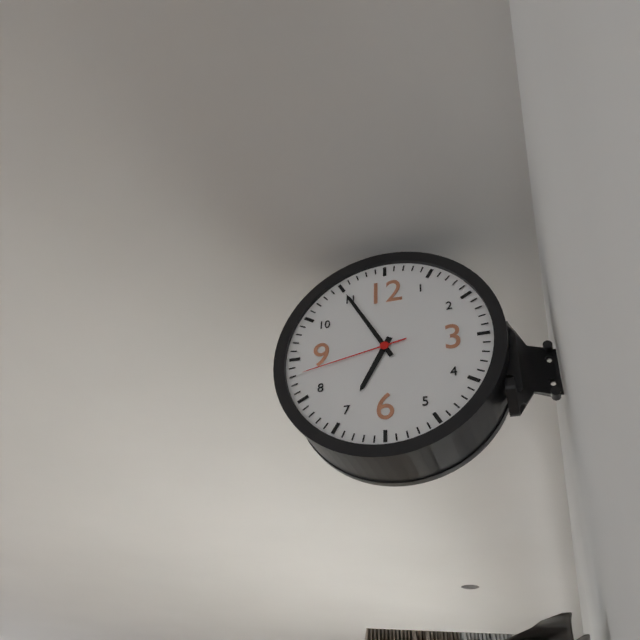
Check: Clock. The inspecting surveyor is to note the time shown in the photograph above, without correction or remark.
6:55:43
